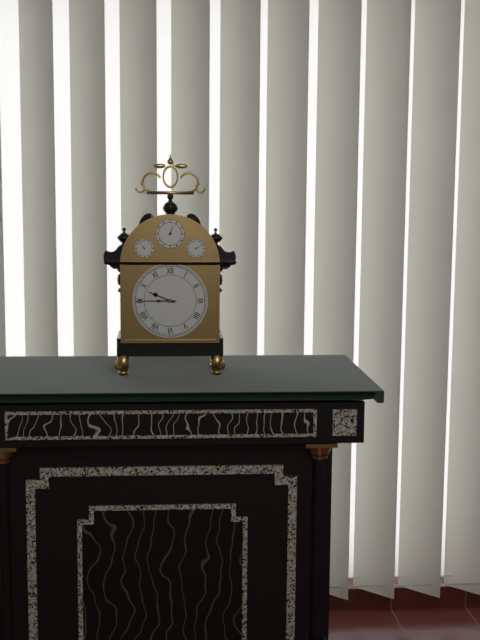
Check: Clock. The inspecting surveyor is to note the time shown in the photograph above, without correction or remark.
9:45
